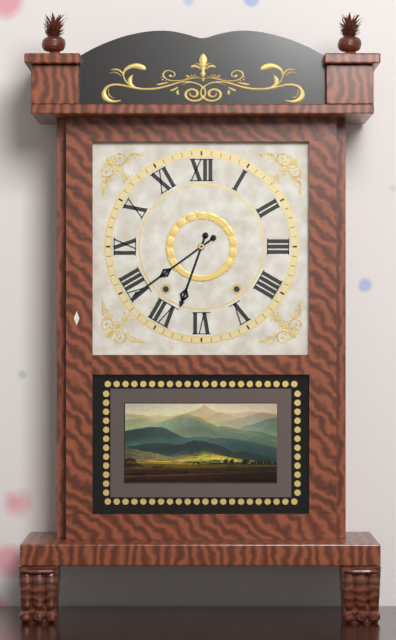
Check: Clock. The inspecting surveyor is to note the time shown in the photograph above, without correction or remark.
6:39
